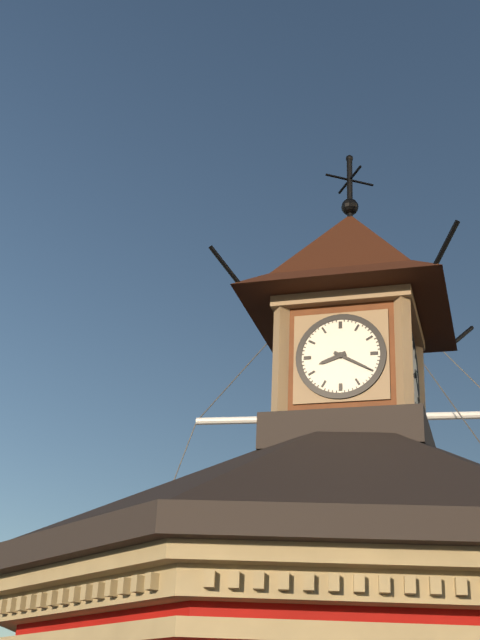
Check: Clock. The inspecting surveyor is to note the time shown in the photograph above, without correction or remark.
8:20
